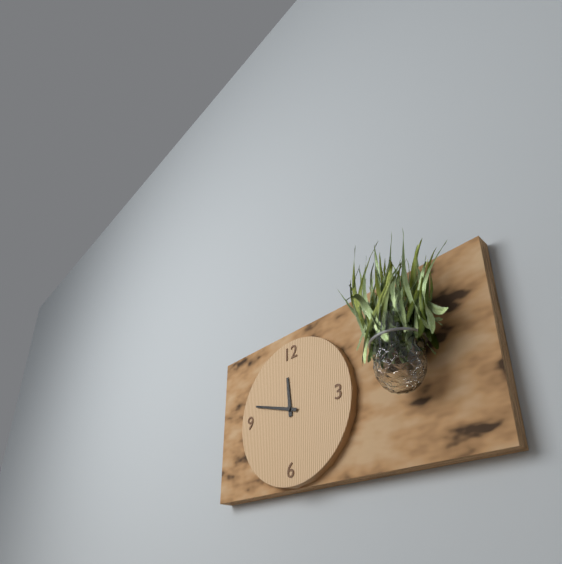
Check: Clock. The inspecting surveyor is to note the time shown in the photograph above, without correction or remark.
11:48
